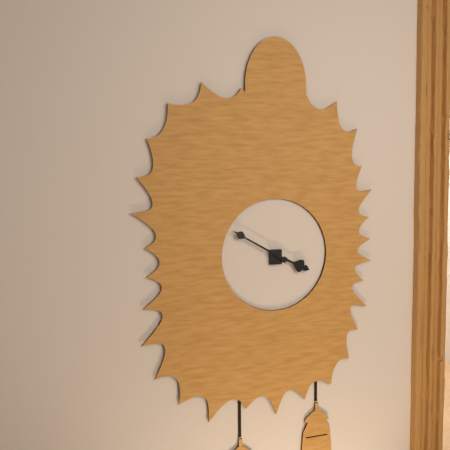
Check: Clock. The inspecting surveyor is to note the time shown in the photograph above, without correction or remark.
3:50
